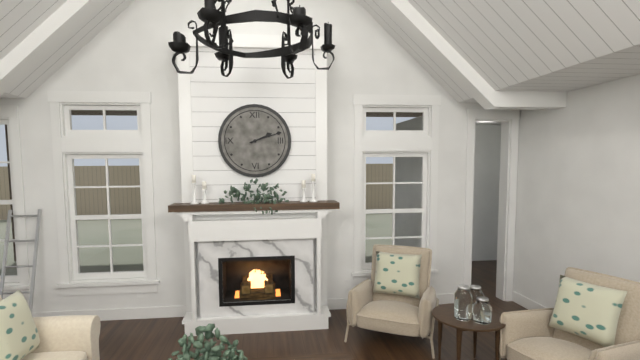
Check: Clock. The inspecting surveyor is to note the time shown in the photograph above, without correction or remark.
2:12
